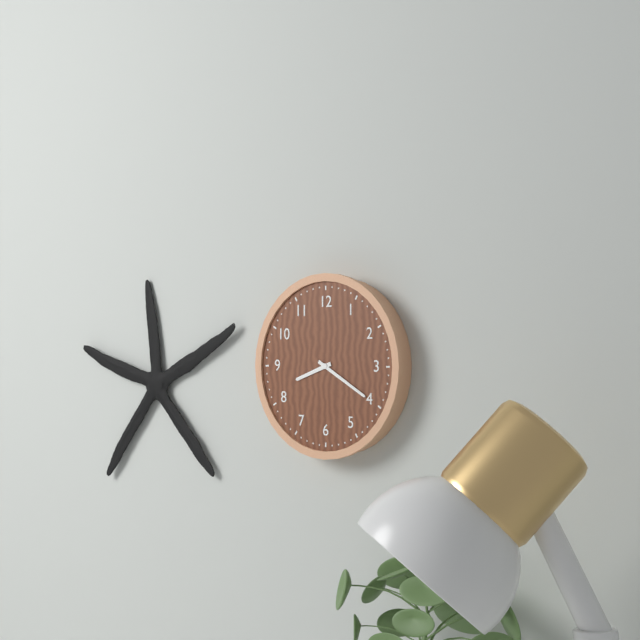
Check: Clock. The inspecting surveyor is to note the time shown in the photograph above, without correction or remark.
8:20
